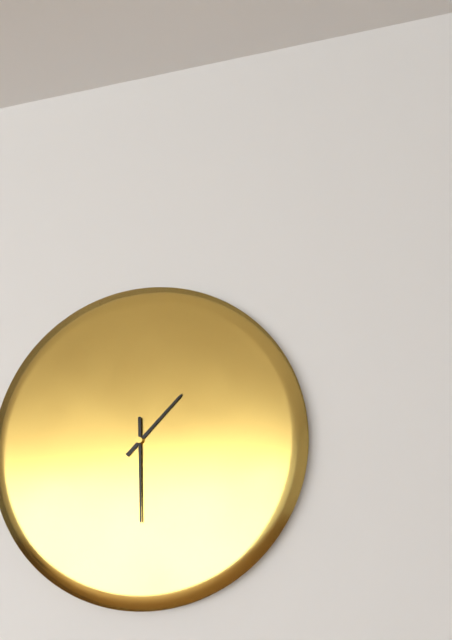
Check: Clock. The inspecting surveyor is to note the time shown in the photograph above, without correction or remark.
1:30
